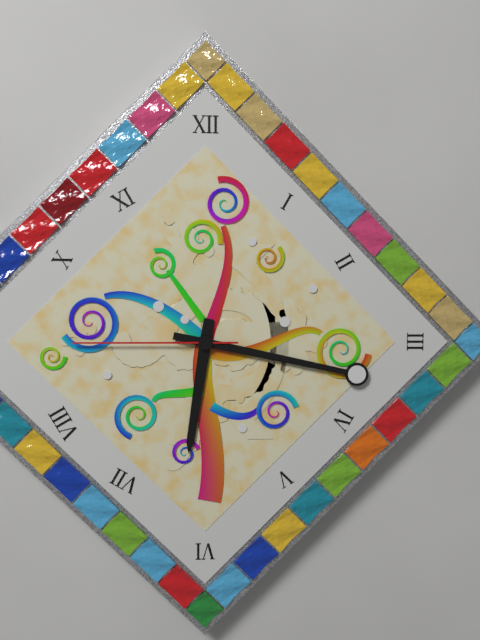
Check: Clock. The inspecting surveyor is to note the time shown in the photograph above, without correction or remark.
6:17:45
